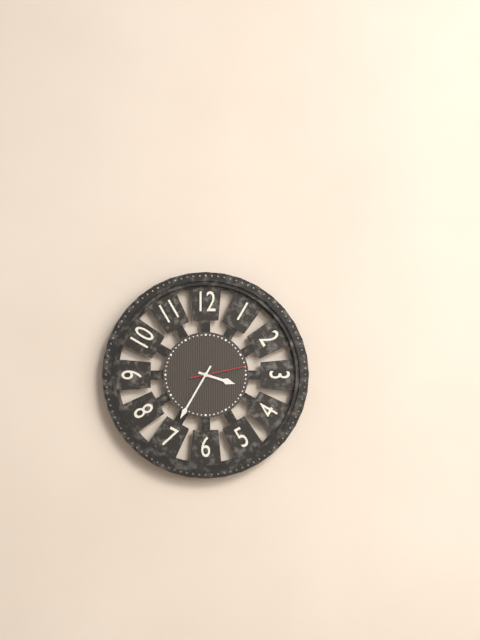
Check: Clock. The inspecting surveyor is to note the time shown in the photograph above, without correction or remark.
3:35:13
